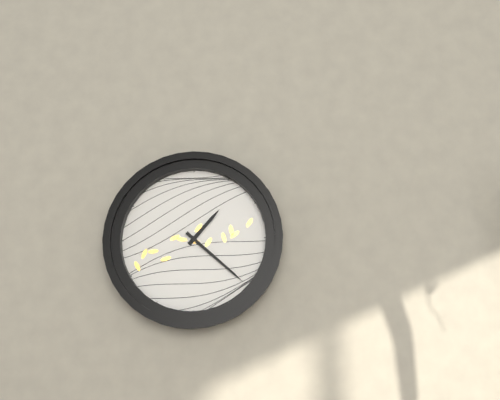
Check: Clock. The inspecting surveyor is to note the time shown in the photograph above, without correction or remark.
1:22
